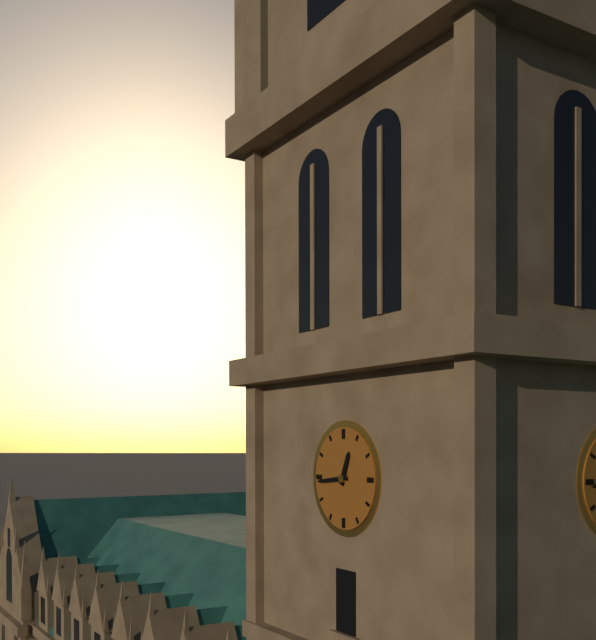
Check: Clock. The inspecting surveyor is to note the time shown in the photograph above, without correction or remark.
12:44
